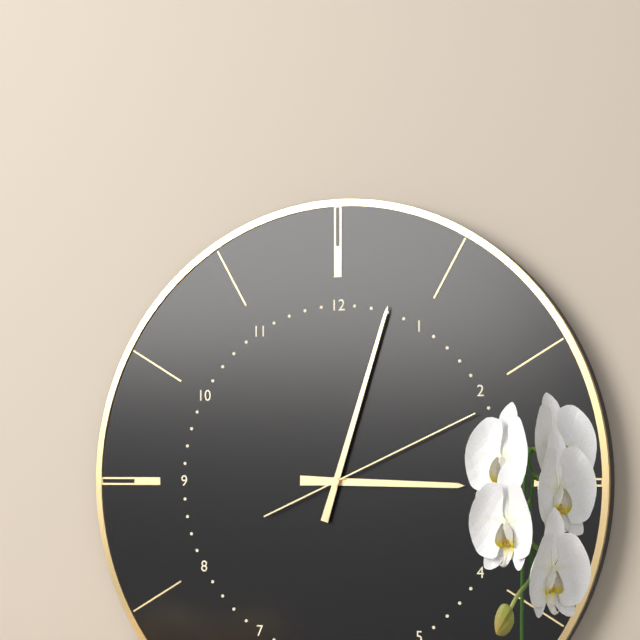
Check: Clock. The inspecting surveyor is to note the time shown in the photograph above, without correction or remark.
3:03:11
